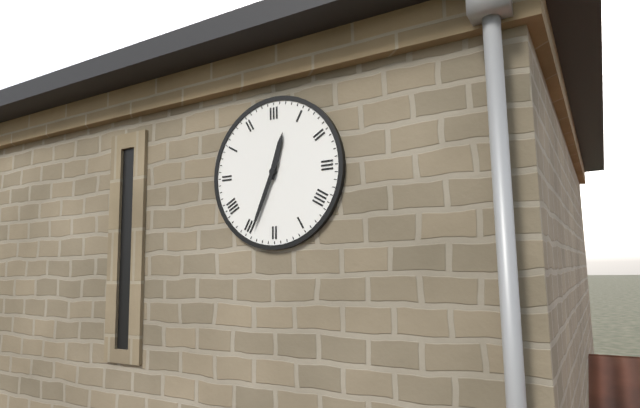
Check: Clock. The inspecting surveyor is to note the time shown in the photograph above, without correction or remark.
12:34
